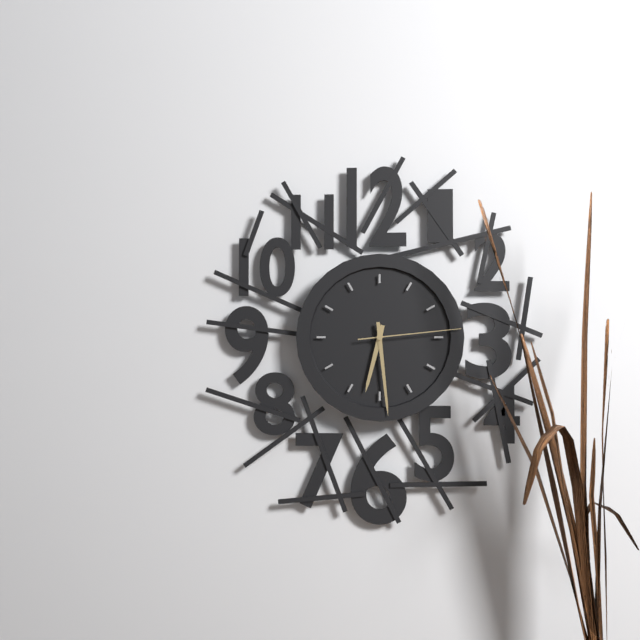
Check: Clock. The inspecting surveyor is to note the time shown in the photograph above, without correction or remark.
6:29:14
